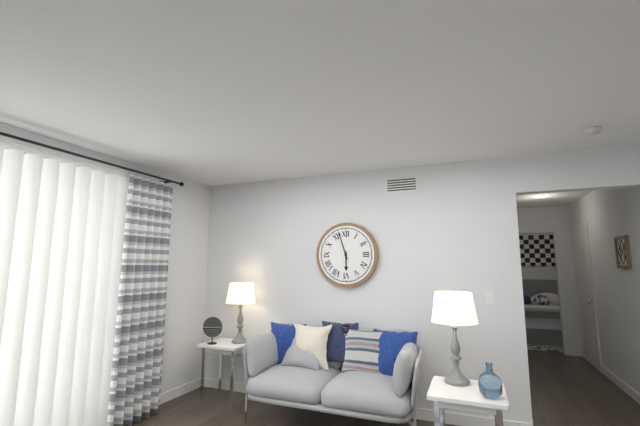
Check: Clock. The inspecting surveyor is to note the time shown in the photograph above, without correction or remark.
5:57
